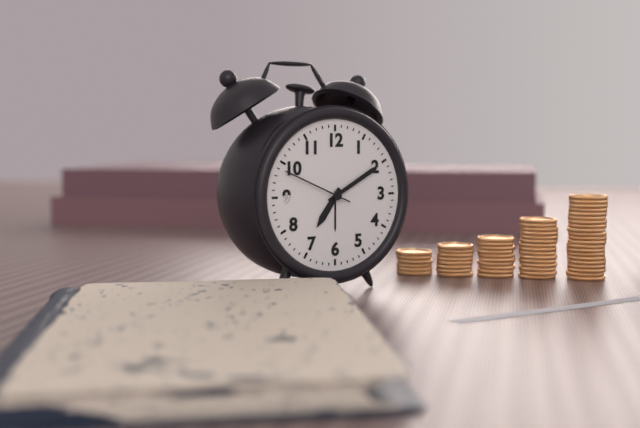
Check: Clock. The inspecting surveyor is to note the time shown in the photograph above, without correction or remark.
7:10:49
